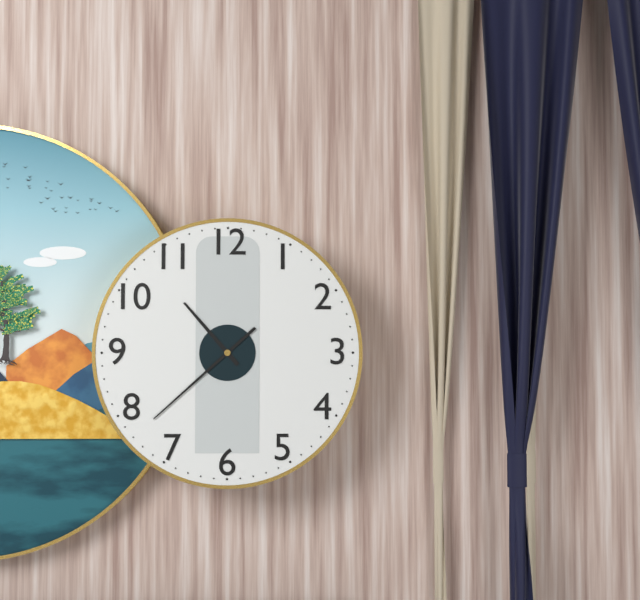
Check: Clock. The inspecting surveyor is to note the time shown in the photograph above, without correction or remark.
10:38
